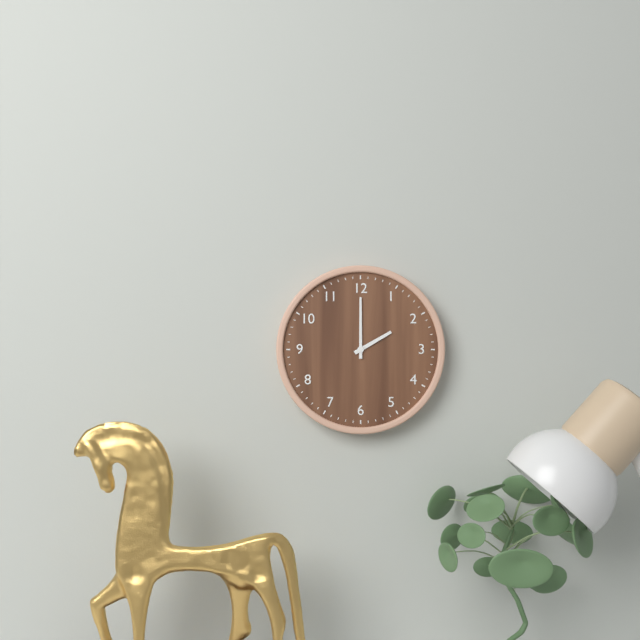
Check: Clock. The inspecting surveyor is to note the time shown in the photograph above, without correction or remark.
2:00
